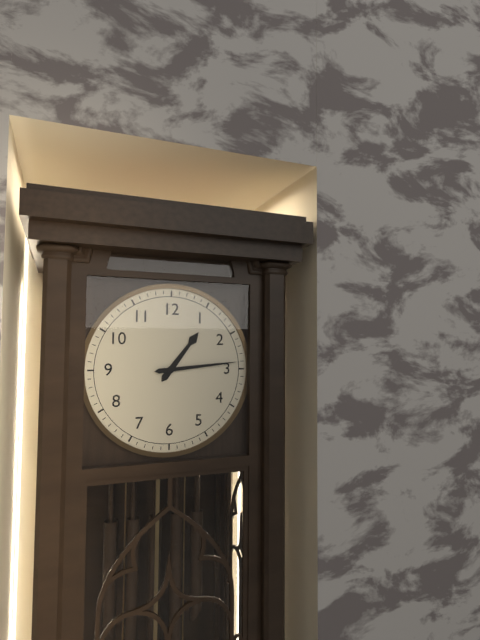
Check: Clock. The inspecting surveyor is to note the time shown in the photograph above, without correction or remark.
1:14
